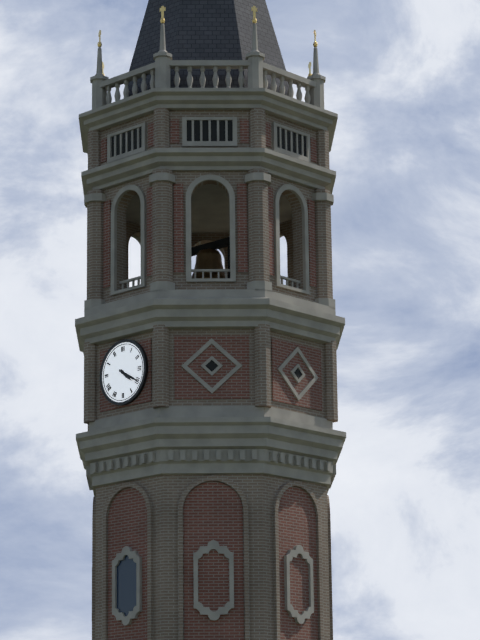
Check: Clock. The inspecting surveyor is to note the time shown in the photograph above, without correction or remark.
4:20
